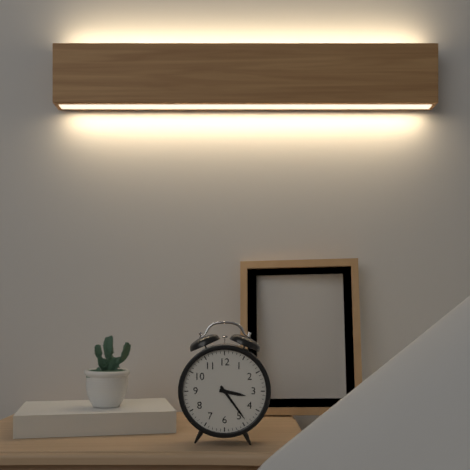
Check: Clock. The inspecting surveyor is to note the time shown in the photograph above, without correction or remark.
3:24
